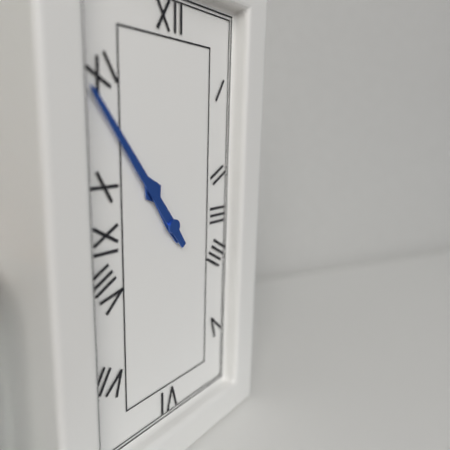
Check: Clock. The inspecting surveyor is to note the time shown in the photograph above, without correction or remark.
10:54
